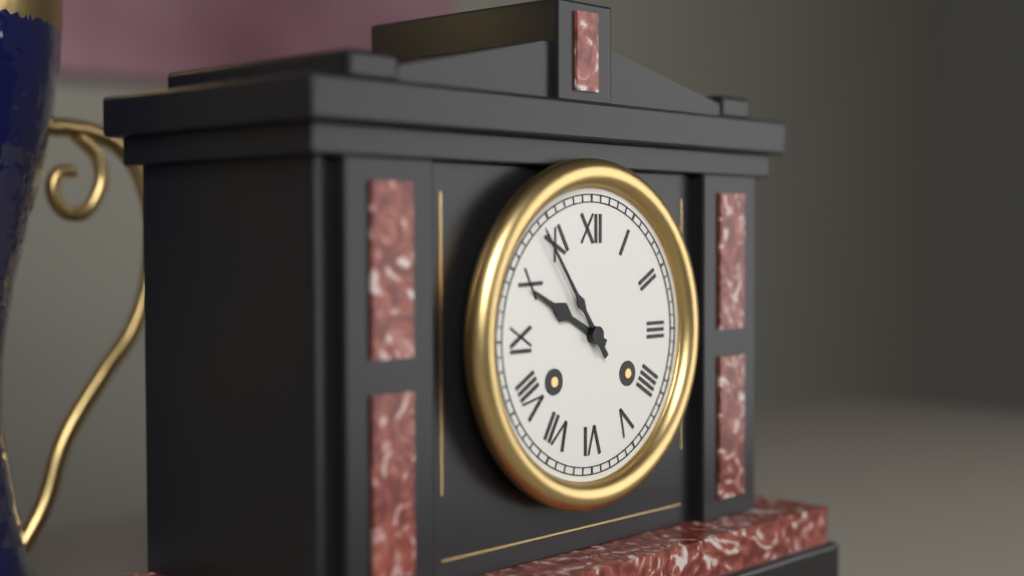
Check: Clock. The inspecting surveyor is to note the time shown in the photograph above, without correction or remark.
9:54
